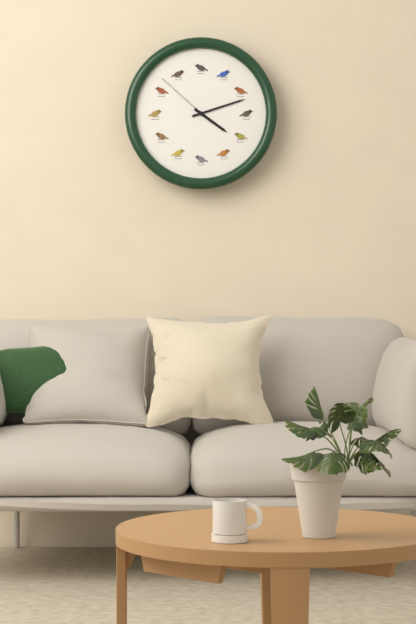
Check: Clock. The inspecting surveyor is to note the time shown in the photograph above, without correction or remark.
4:12:52
